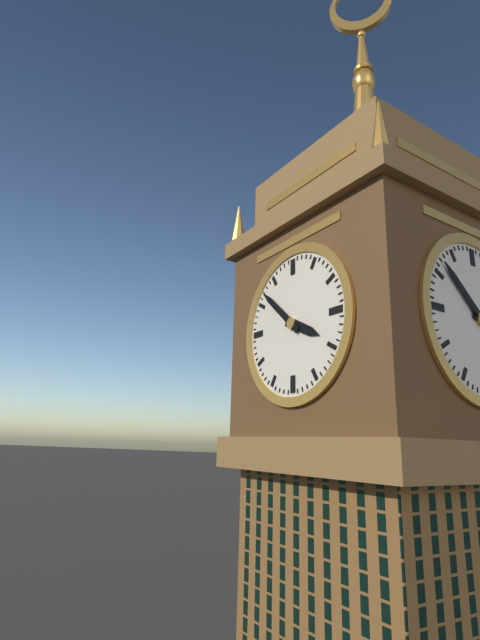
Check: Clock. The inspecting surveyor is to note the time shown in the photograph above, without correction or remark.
3:52
